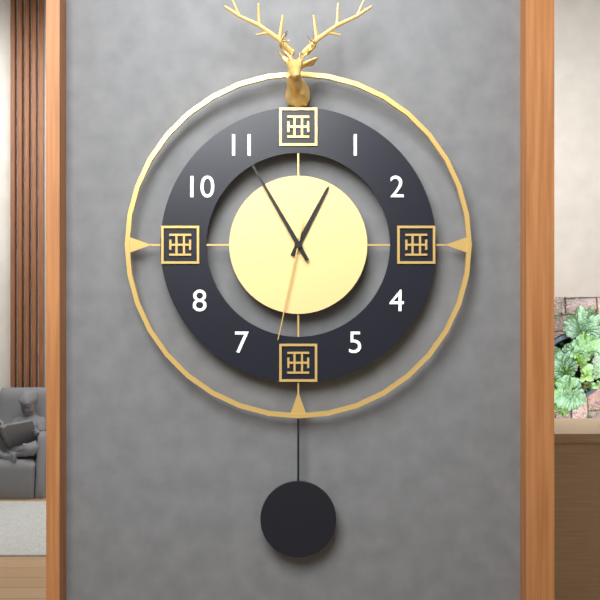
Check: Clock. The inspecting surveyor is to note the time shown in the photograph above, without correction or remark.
12:55:32
